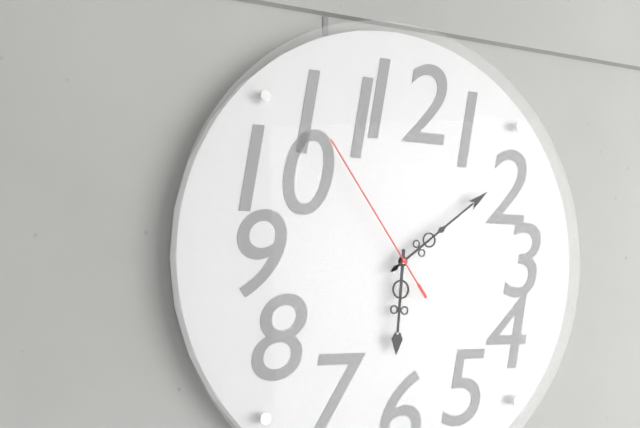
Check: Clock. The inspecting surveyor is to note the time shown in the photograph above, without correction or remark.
6:09:54
